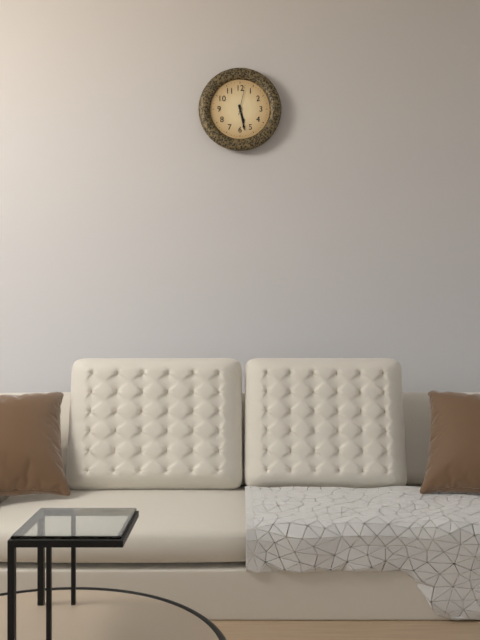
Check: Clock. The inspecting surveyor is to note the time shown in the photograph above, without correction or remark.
5:28
